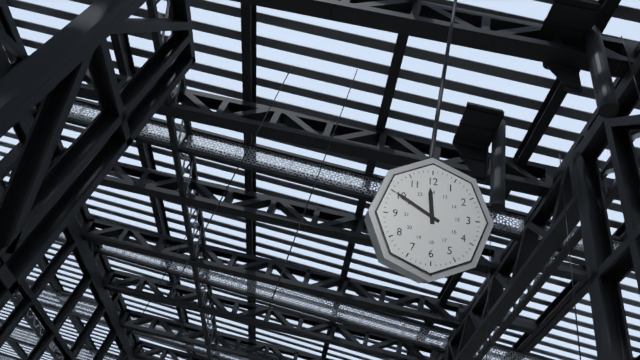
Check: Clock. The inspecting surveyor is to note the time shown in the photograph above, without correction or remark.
11:50
